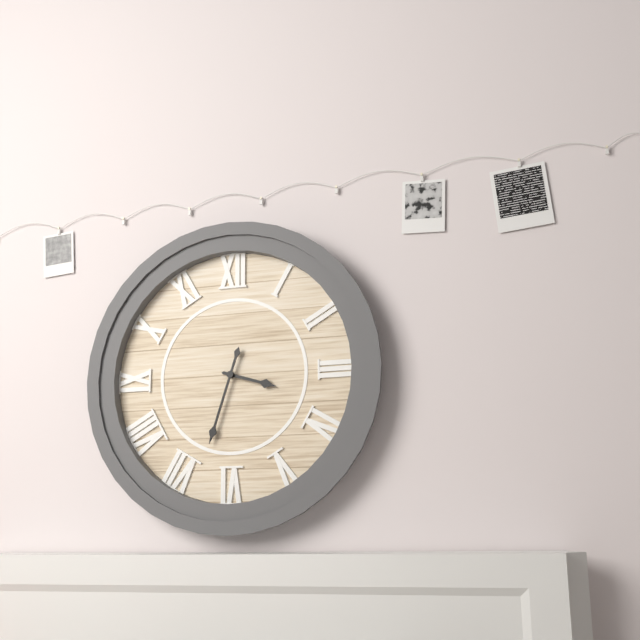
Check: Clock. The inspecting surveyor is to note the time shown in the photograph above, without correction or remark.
3:33
